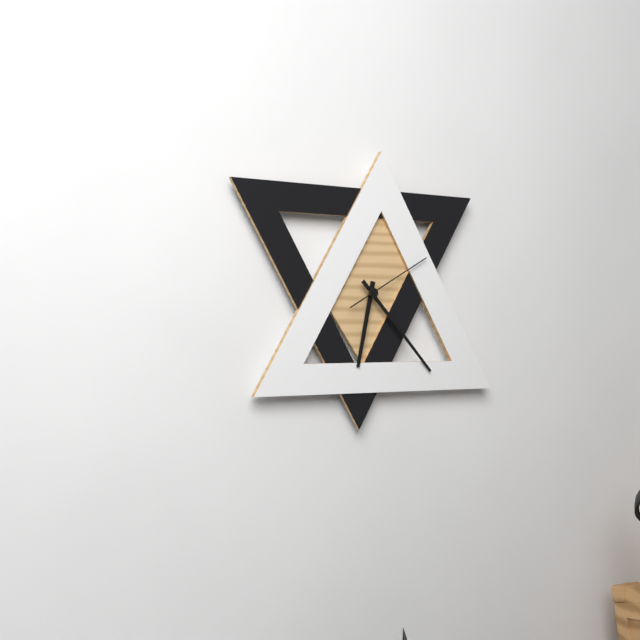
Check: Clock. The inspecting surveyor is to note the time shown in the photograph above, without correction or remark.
6:23:10
